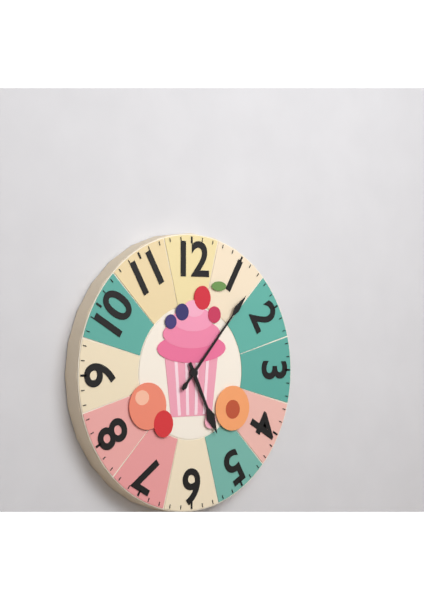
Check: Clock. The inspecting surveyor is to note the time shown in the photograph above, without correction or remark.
5:07
